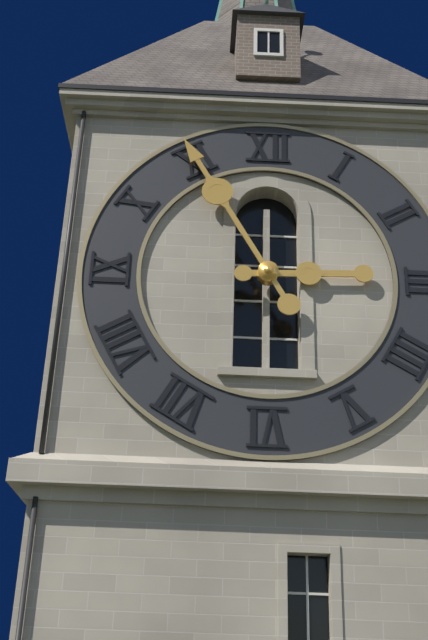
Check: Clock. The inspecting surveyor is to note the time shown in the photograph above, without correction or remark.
2:55
